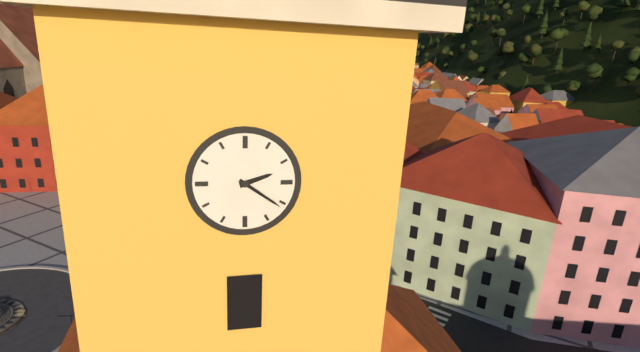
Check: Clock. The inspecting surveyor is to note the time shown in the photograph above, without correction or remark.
2:21
